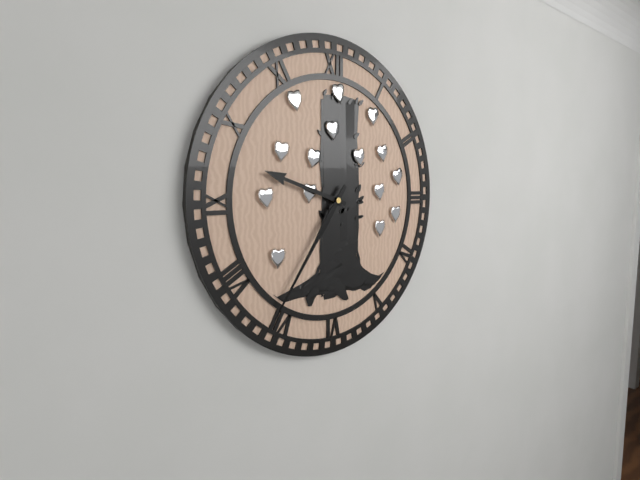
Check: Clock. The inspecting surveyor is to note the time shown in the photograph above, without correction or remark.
9:36
